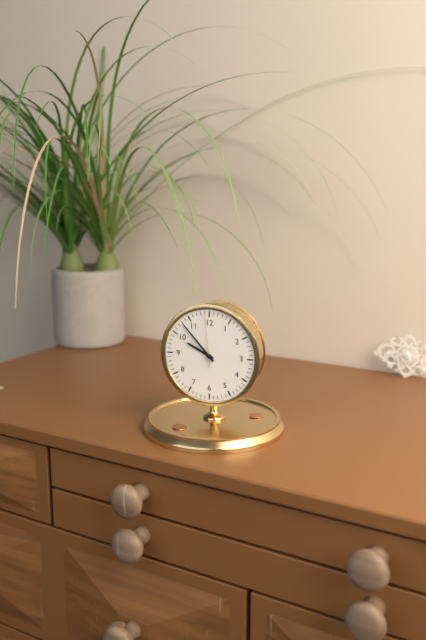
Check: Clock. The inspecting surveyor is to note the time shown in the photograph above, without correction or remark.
9:53:59
